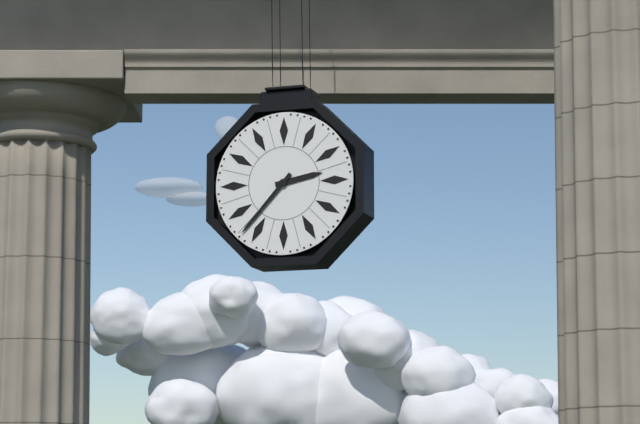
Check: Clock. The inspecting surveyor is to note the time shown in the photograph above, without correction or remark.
2:37
